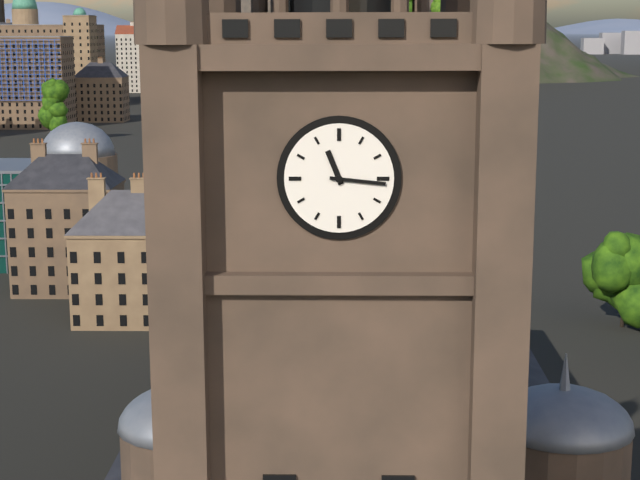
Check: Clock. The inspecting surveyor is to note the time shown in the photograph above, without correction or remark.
11:16
